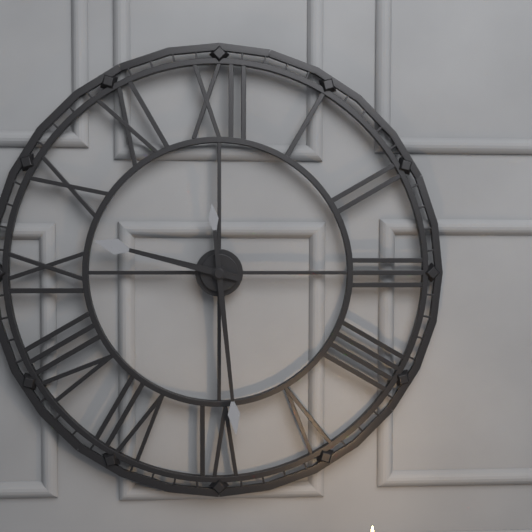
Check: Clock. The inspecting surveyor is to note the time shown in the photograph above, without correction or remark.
9:29
